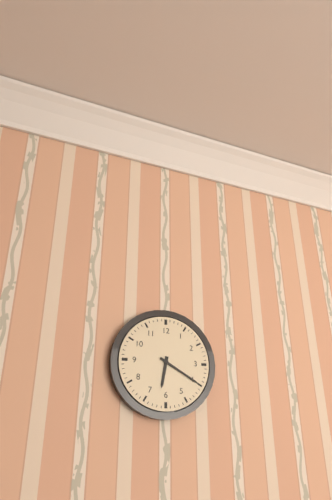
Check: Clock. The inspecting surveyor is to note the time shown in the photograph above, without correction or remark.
6:20
